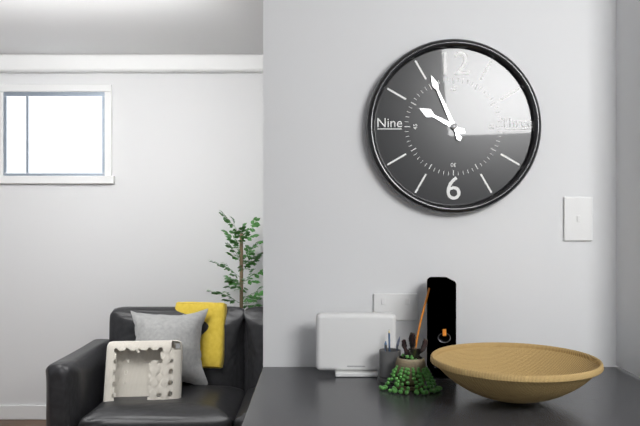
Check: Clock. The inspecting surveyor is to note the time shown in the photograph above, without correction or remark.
9:56
